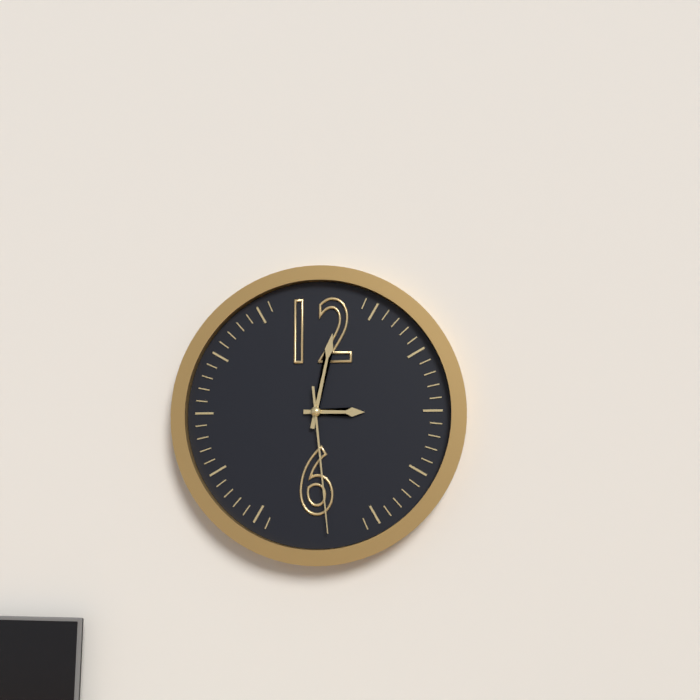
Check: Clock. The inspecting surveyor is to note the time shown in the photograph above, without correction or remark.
3:02:29
